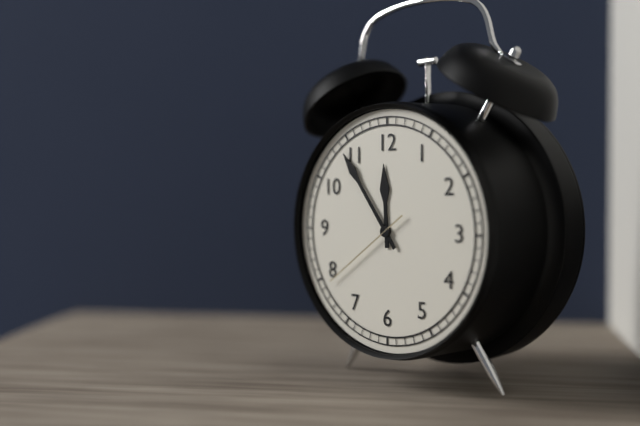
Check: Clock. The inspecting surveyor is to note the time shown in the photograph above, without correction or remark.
11:54:39
